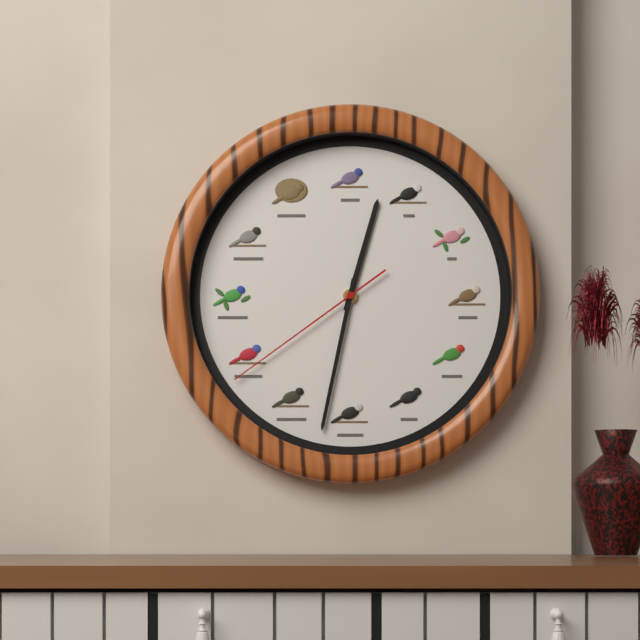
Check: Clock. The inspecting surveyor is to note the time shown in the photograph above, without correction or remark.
12:32:39
